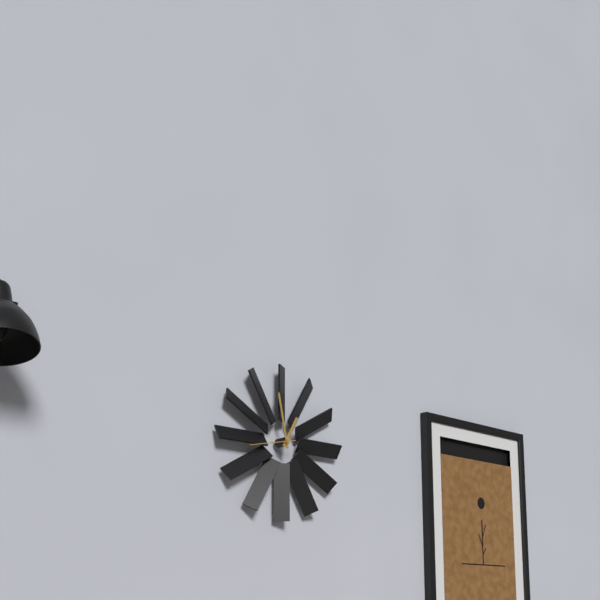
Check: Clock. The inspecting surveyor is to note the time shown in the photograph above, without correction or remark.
12:58
